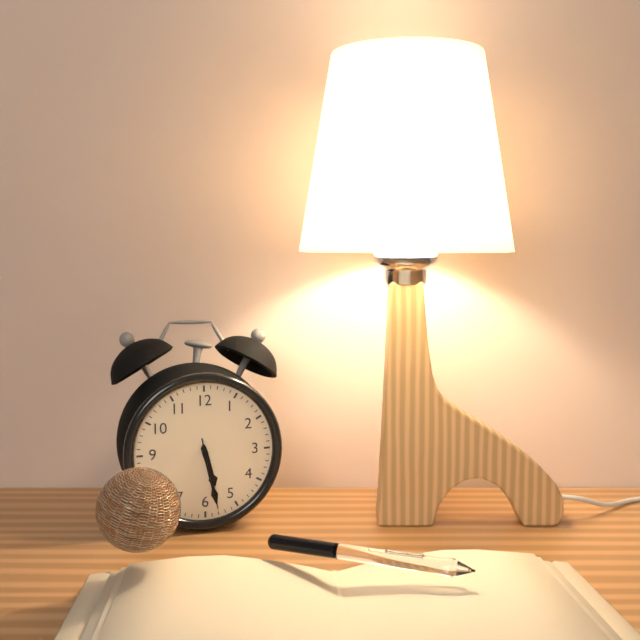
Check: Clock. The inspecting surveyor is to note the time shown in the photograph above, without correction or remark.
5:28:28
